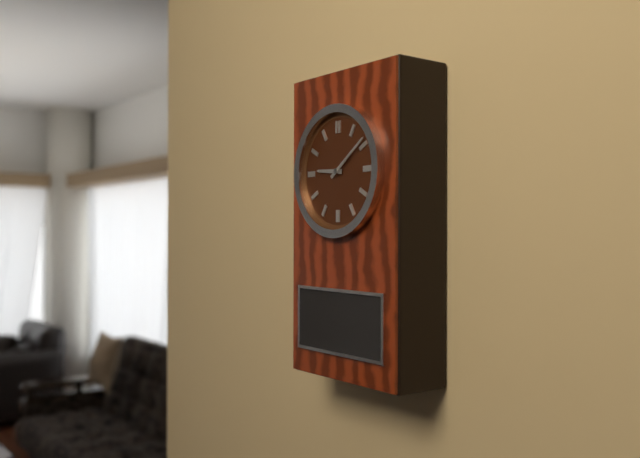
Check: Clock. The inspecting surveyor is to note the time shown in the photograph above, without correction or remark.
9:09
